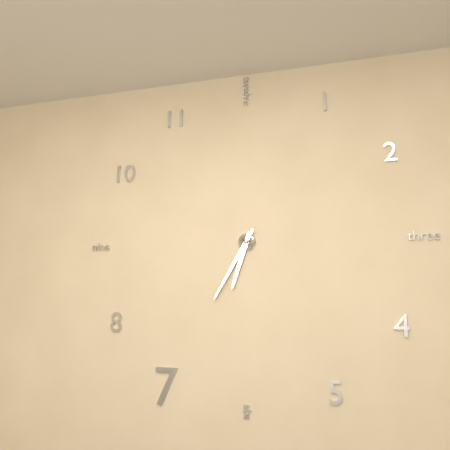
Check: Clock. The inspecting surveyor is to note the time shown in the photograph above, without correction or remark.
6:35
